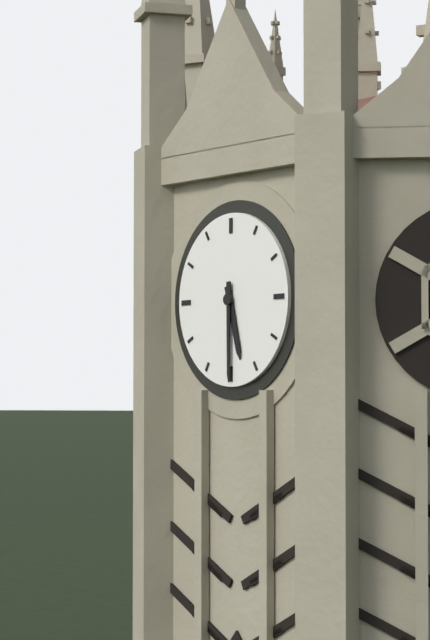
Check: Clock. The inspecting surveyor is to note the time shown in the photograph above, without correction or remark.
5:30
